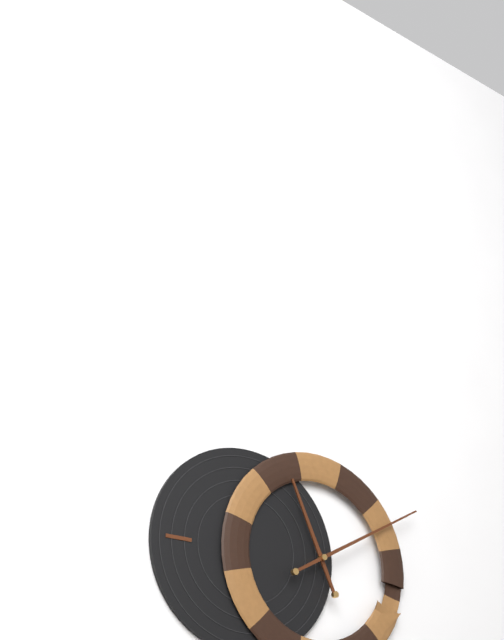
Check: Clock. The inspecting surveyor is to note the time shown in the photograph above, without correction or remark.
11:10
